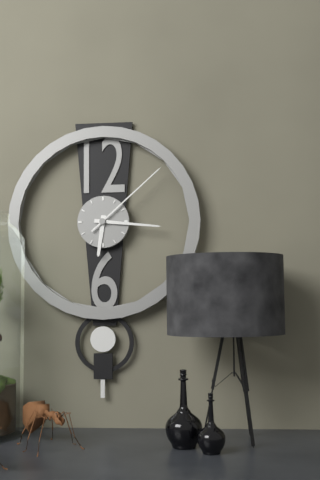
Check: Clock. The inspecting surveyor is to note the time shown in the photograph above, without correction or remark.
6:16:08
